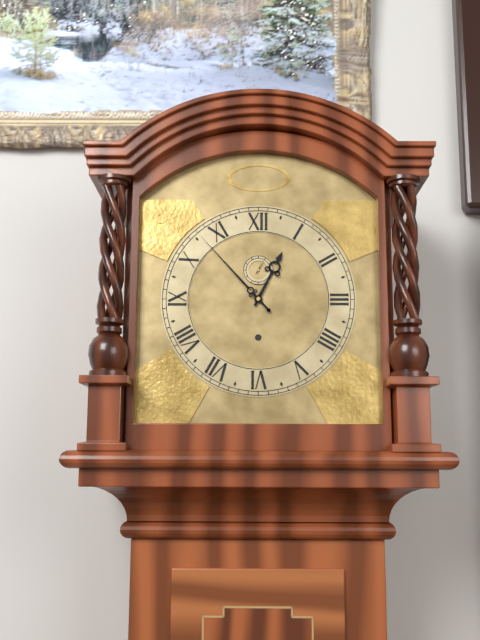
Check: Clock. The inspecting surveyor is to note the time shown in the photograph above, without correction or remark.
12:53
